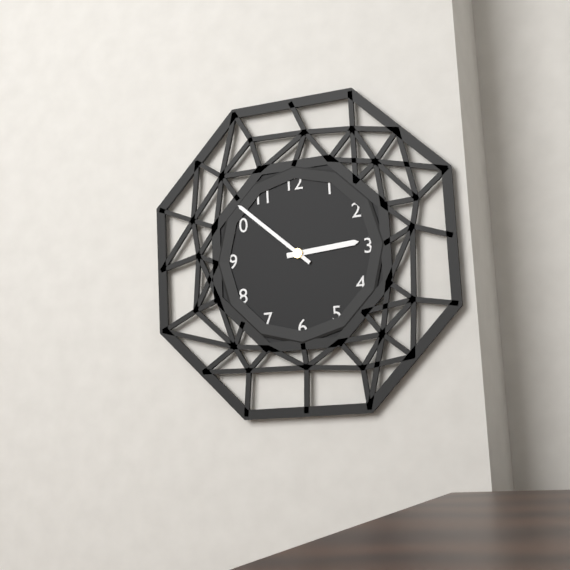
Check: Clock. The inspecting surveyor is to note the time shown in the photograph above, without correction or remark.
2:52
